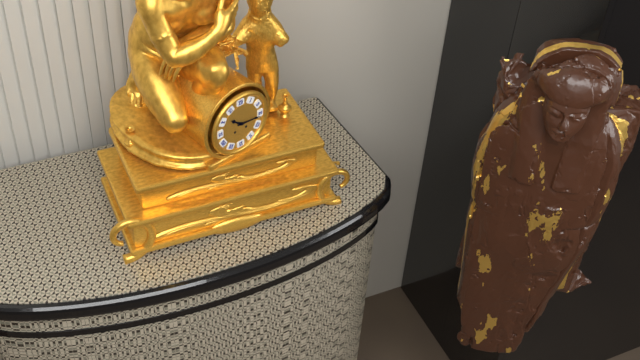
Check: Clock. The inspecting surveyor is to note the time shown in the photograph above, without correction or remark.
10:16
